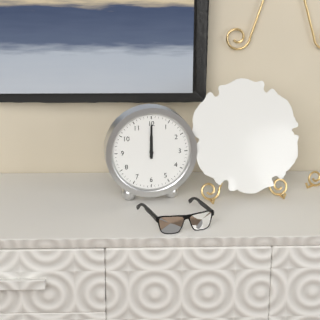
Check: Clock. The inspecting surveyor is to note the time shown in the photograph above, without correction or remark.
12:00
